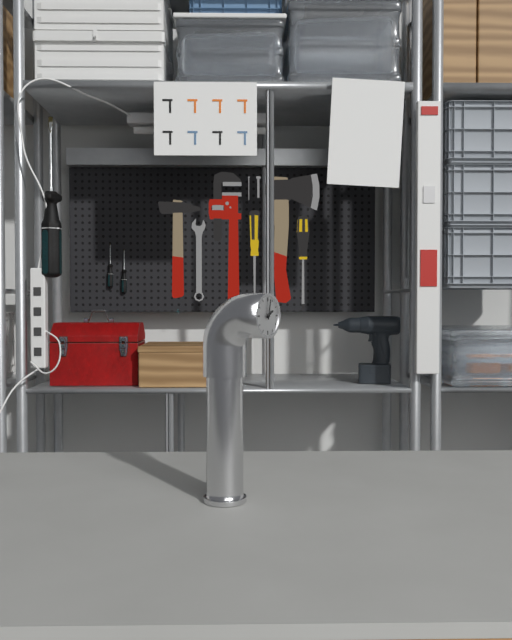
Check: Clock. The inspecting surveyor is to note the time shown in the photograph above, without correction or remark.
2:02
